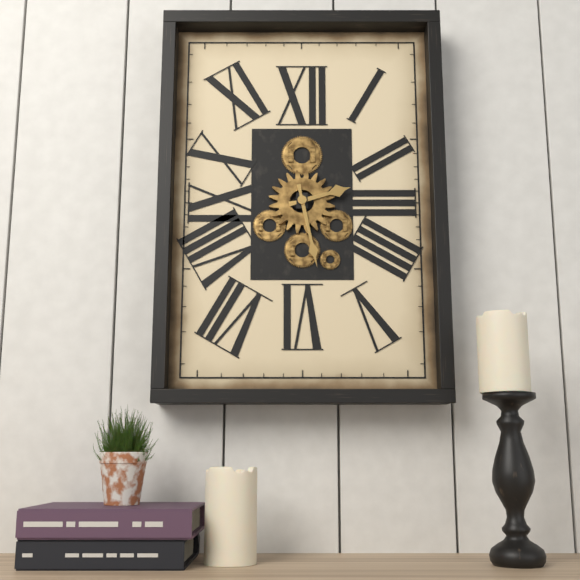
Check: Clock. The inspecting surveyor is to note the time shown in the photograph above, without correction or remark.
2:28
